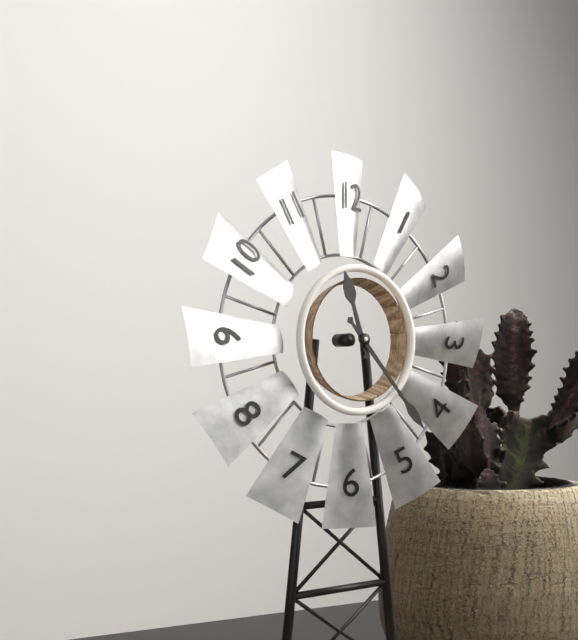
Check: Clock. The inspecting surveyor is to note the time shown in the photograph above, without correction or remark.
11:23
